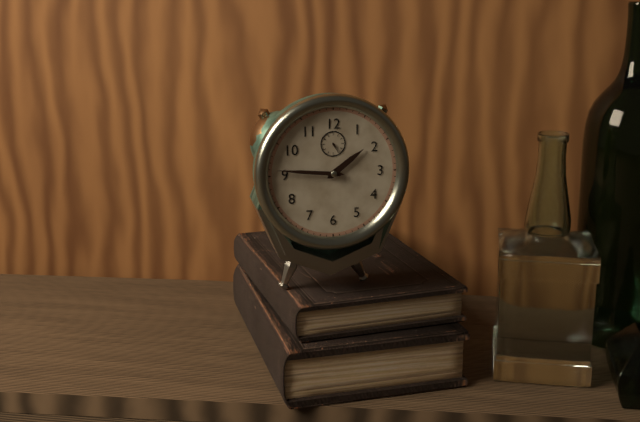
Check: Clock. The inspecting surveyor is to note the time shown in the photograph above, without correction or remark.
1:46
